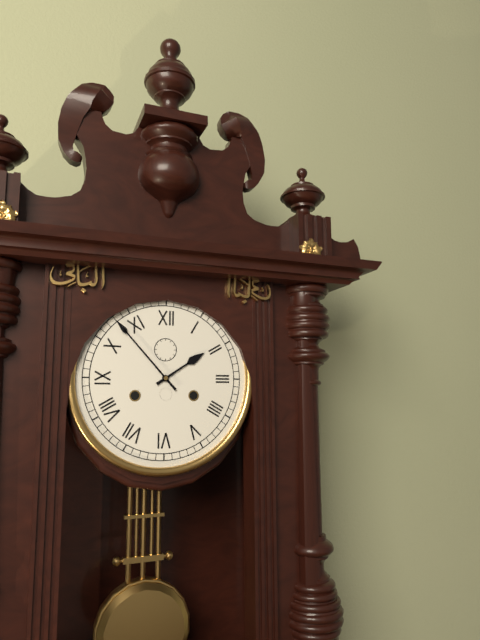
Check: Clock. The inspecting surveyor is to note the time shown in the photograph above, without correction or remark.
1:53
